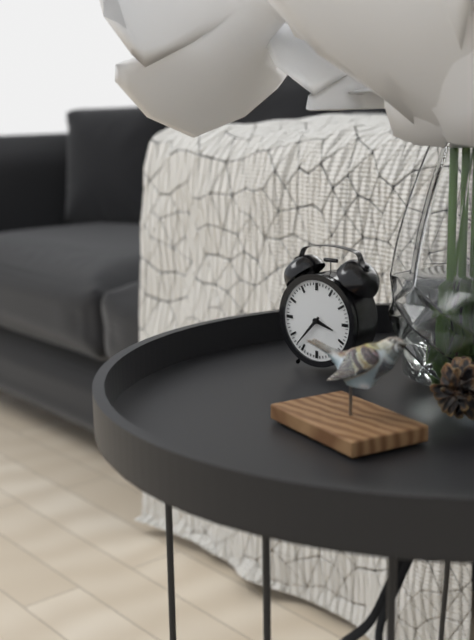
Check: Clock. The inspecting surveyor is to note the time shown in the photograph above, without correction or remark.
3:37
